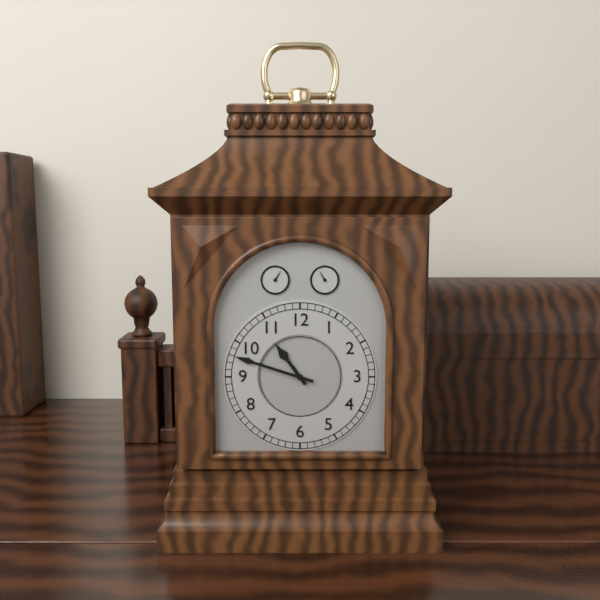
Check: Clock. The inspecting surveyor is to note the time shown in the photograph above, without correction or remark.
10:48
